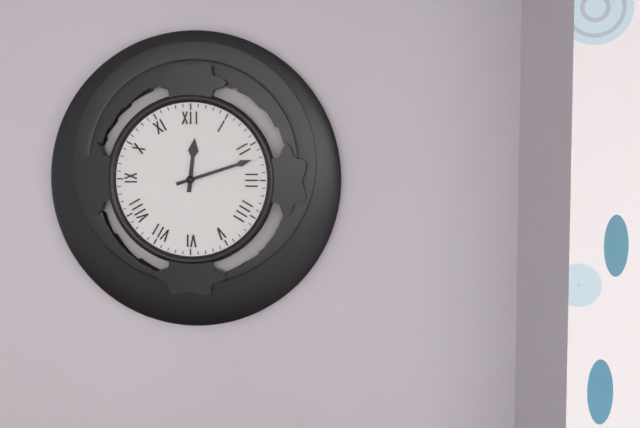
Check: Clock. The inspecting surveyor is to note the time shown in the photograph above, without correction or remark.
12:12
